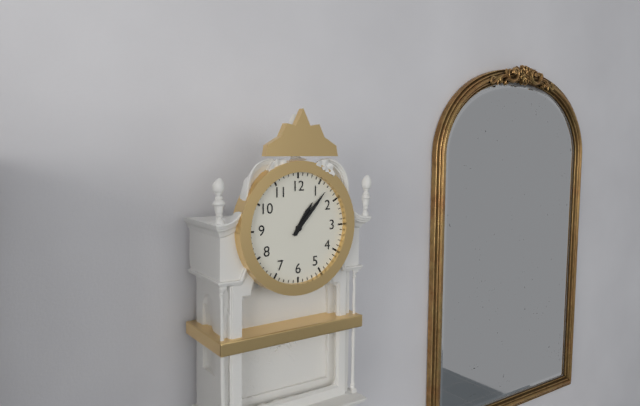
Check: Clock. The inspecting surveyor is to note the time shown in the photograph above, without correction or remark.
1:07
